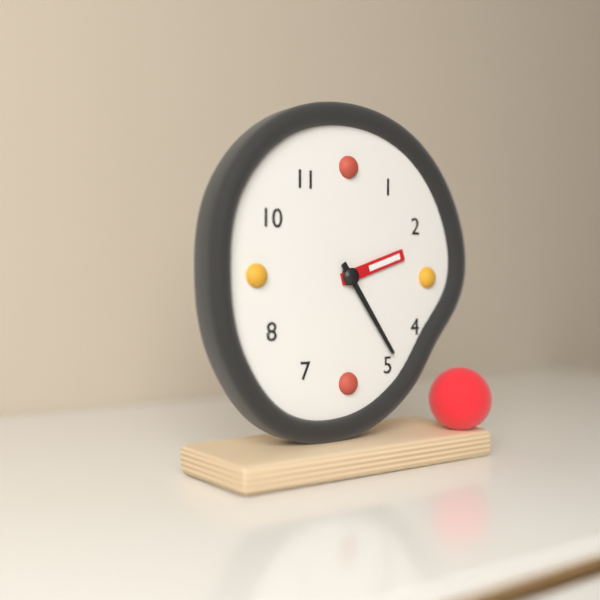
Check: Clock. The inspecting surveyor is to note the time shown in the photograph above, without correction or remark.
2:24
